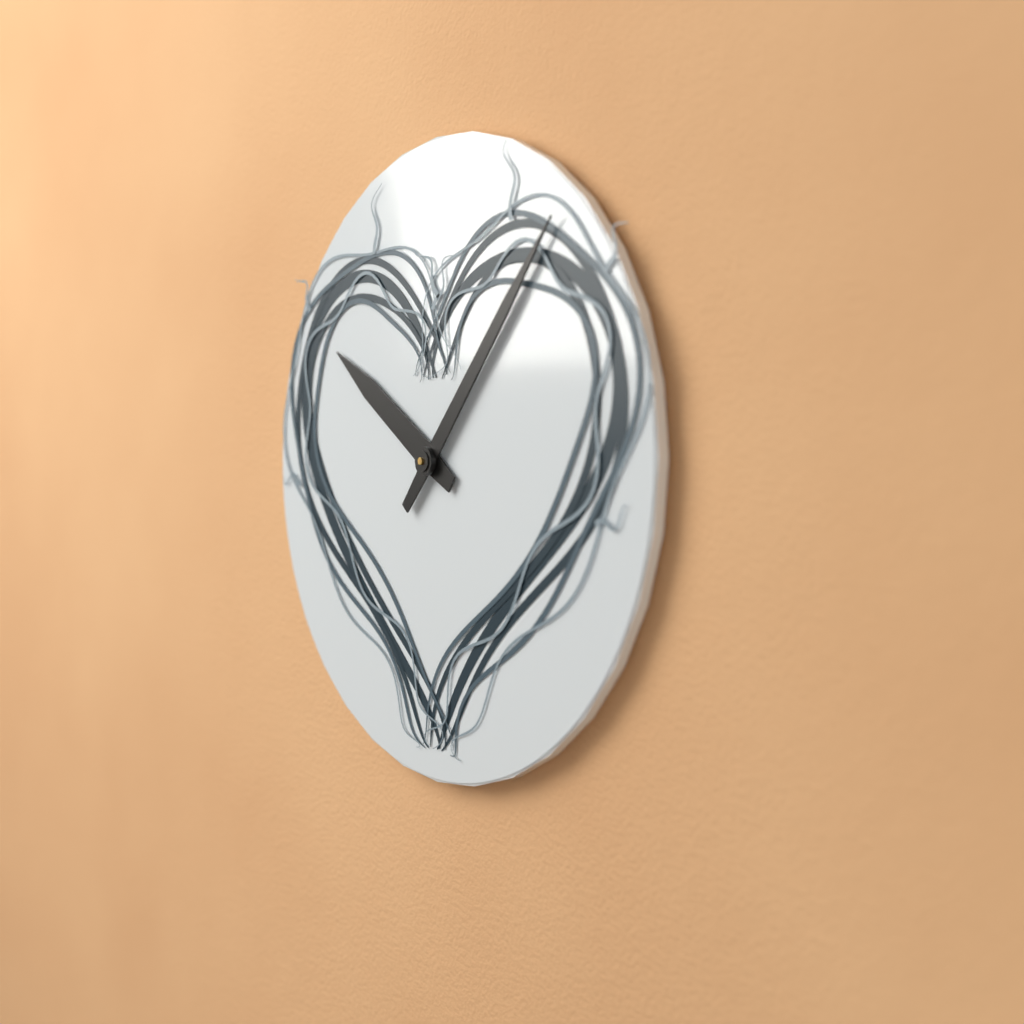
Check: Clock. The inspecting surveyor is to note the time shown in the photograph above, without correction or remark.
10:07
